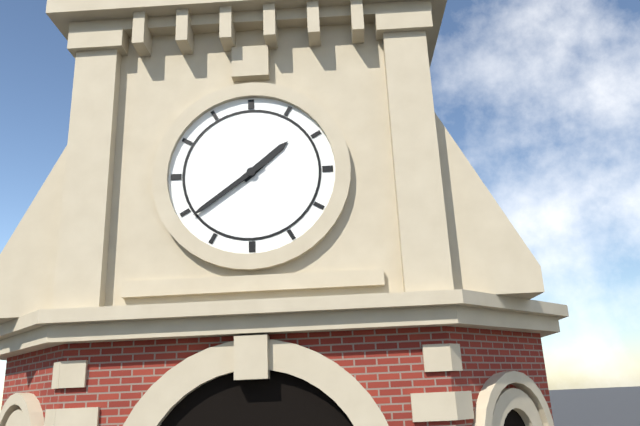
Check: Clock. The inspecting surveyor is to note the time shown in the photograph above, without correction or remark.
1:39
